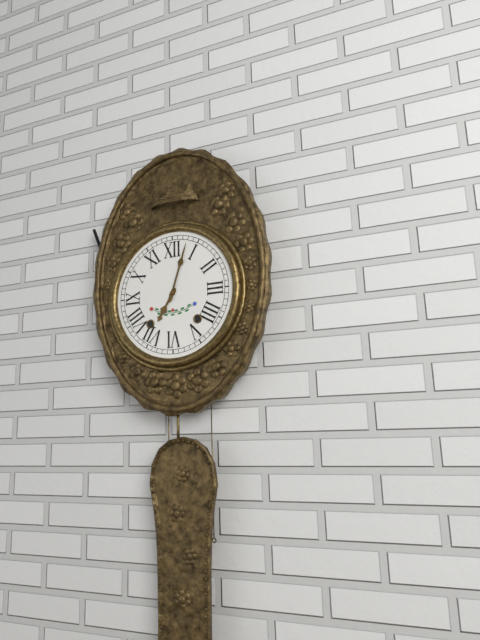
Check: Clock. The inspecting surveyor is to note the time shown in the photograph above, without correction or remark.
7:03
